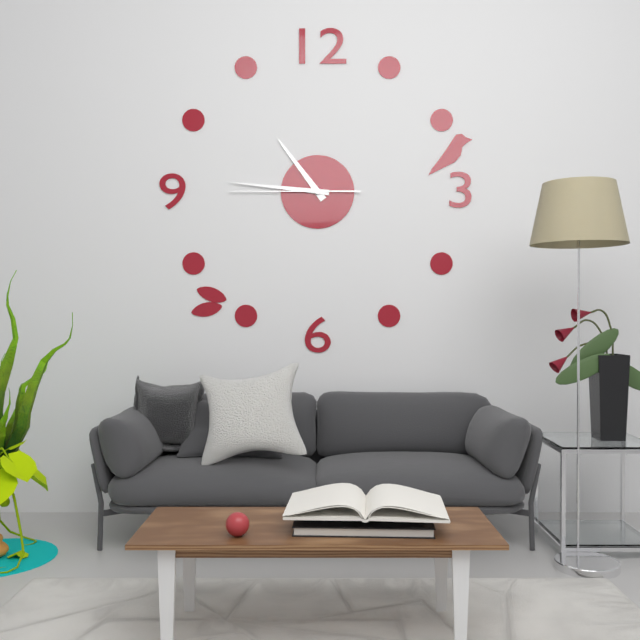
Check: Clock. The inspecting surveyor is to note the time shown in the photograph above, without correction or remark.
10:46:45
